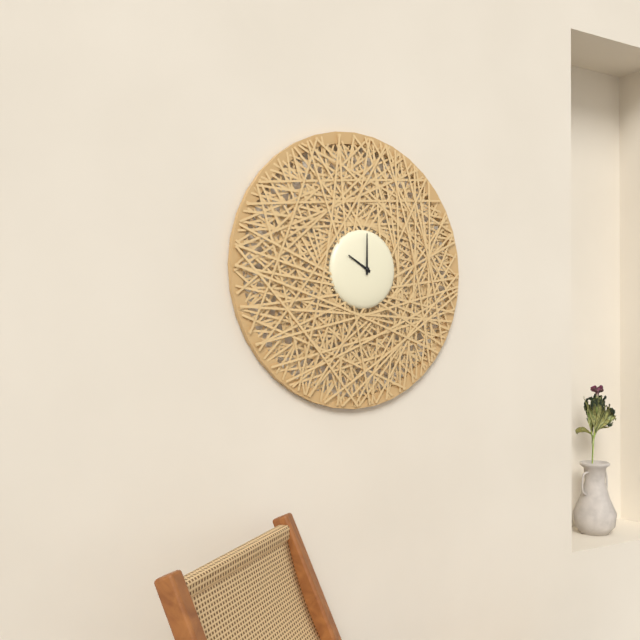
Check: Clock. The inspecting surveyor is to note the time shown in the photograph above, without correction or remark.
10:00
